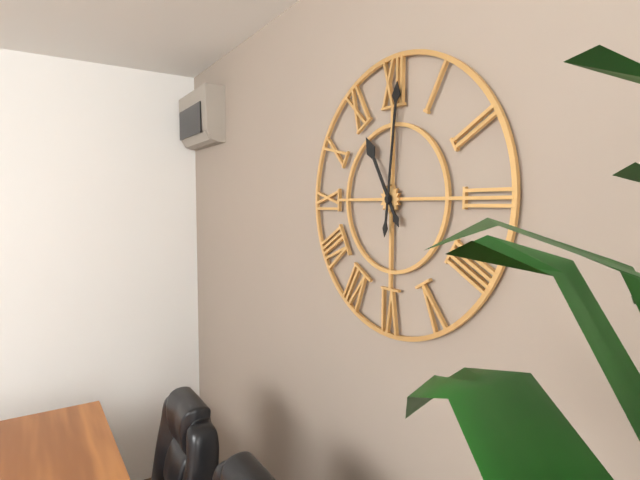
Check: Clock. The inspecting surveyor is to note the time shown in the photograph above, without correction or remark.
11:01
